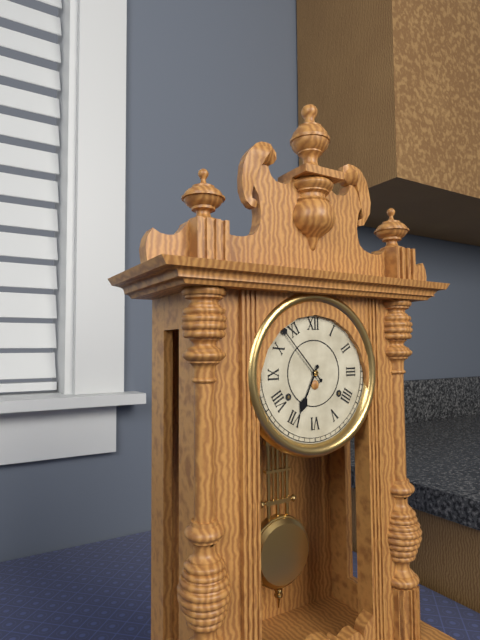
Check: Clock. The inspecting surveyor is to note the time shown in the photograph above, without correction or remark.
6:53
